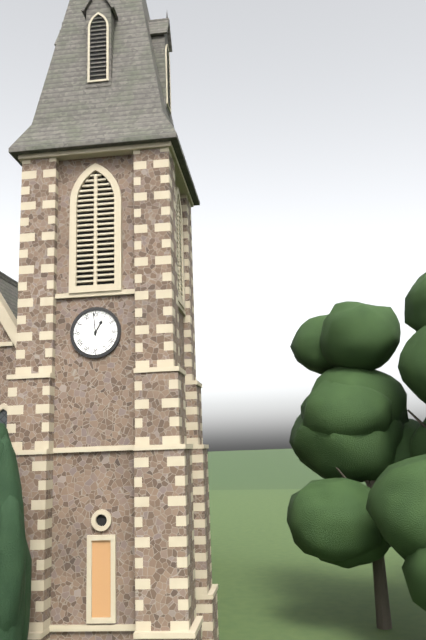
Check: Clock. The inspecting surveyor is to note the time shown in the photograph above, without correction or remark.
12:59
